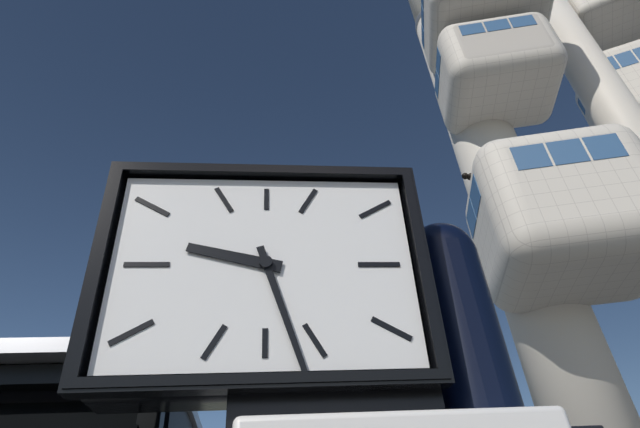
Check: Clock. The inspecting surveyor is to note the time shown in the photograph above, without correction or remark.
9:27
